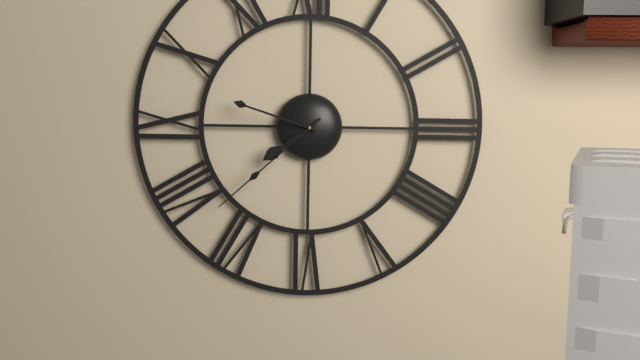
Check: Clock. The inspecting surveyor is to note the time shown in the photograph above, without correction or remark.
7:48:38
